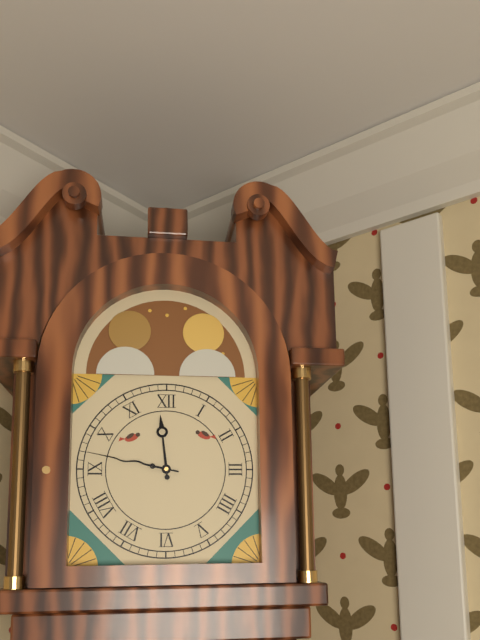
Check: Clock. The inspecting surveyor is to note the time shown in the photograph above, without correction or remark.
11:47
